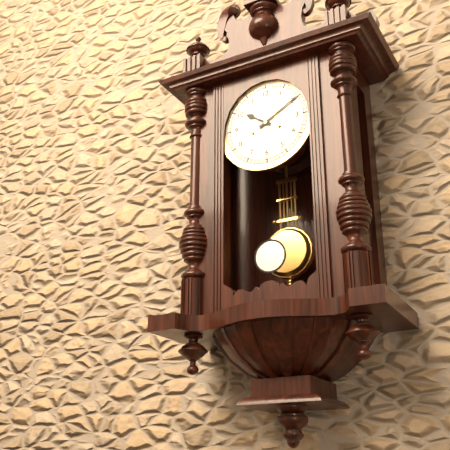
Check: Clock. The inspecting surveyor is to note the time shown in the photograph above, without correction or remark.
10:10
